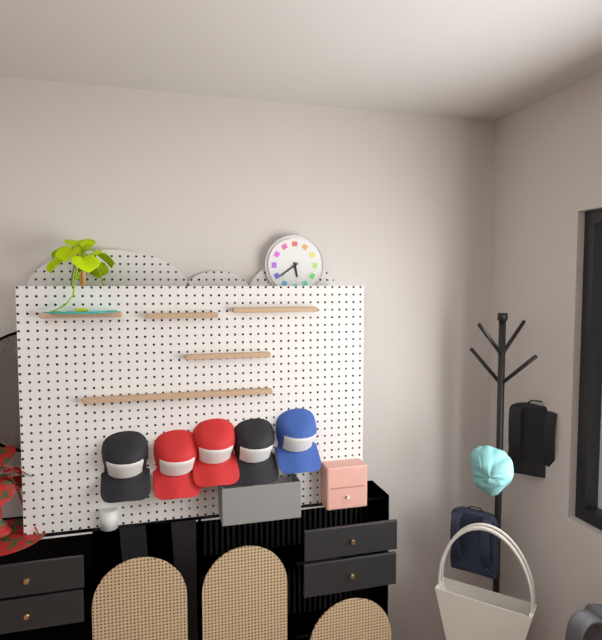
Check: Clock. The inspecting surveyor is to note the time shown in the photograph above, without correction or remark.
5:39
